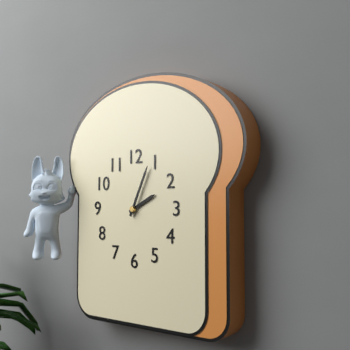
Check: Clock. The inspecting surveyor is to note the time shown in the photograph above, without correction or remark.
2:04
